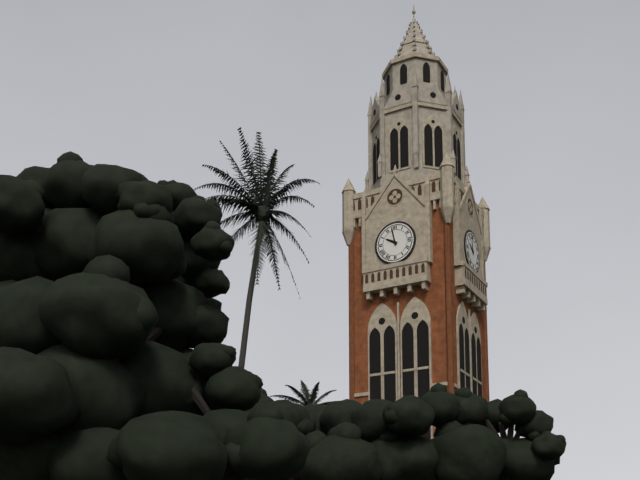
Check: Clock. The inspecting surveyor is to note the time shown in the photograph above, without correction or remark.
9:58
